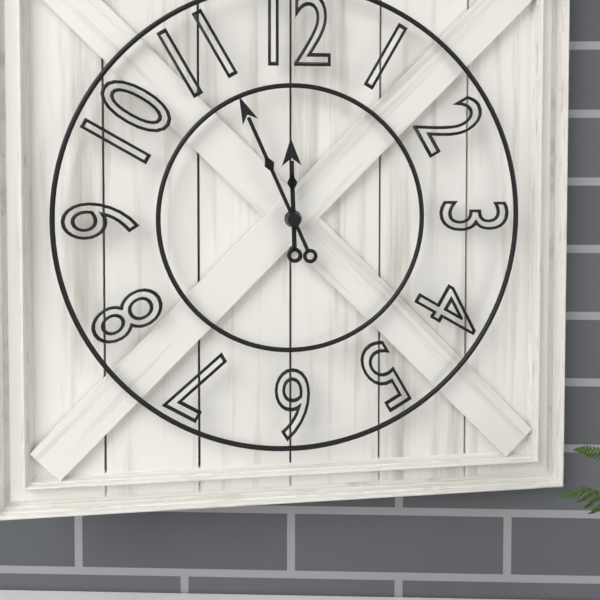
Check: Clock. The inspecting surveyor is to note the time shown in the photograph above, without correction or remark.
11:56
